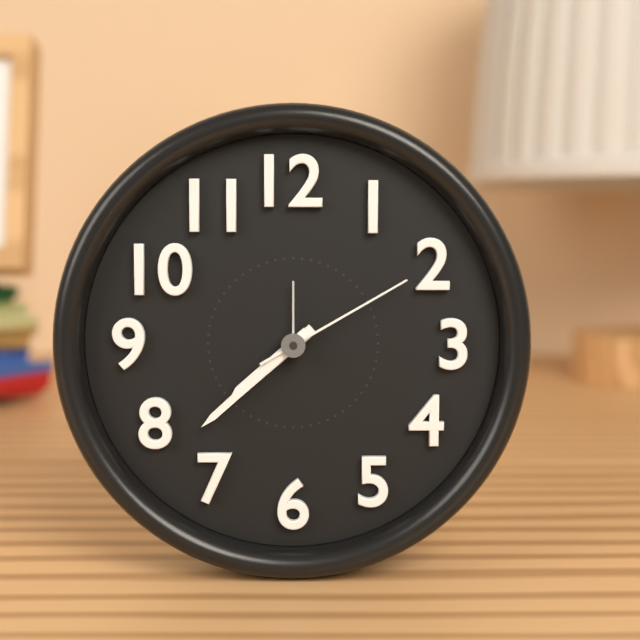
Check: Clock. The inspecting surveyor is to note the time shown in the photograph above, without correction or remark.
7:38:10
